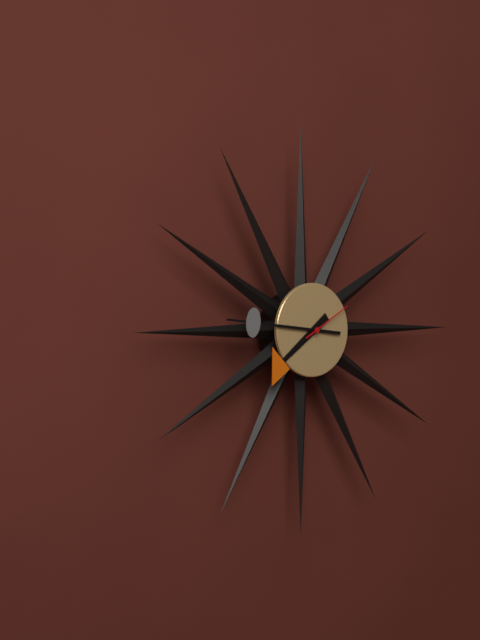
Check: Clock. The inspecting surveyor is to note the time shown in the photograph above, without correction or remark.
7:46:10
